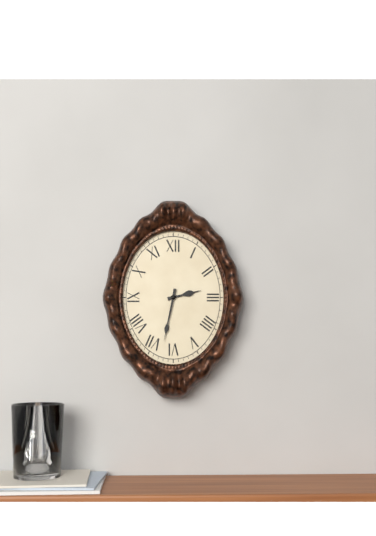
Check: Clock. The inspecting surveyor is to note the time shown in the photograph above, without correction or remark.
2:32
